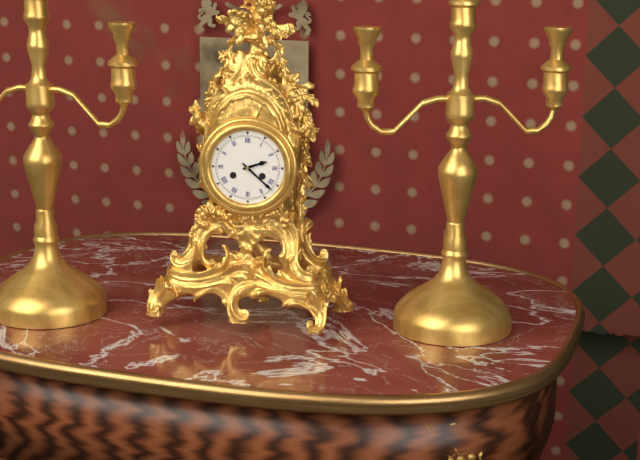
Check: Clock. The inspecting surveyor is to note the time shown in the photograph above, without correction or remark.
2:22
